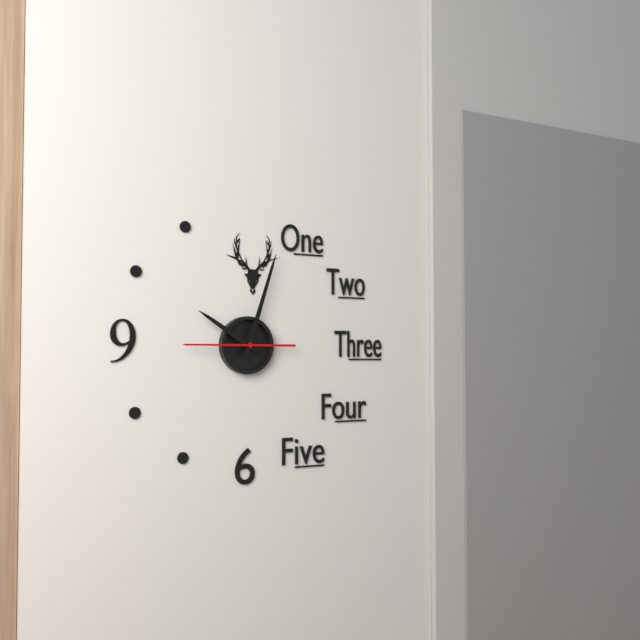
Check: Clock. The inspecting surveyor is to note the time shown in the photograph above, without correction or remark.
10:03:45
